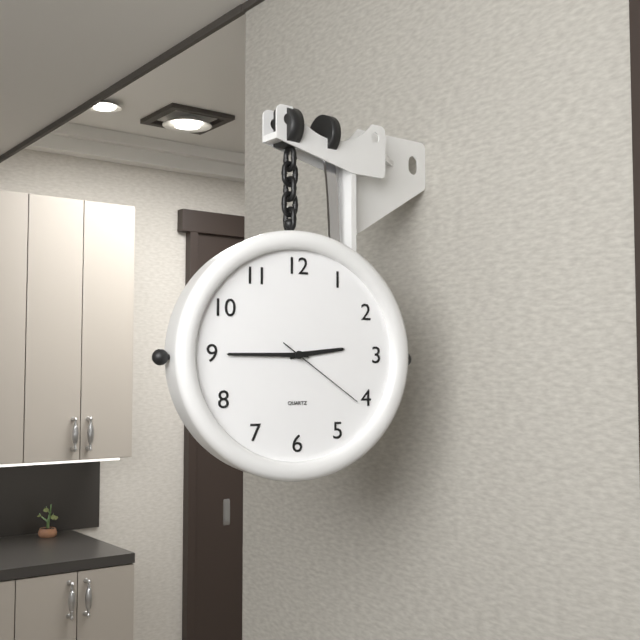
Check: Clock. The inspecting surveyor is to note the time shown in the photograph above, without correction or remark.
2:45:21
